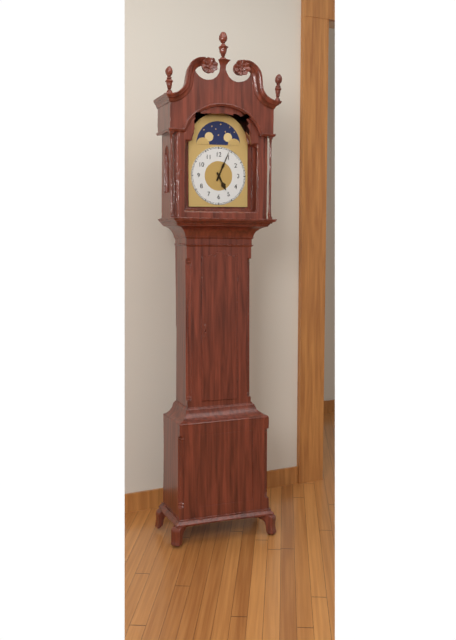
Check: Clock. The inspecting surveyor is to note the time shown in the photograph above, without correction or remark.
5:04
